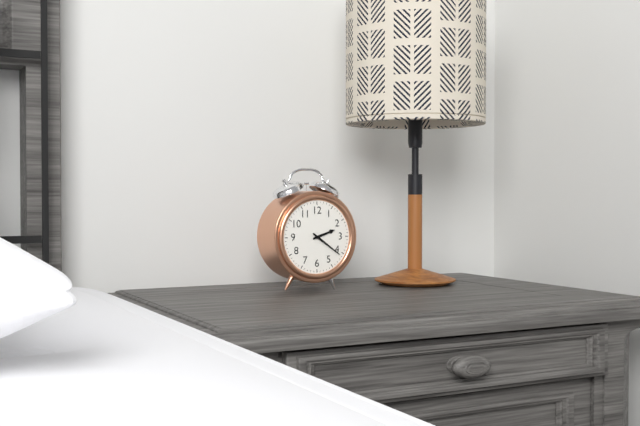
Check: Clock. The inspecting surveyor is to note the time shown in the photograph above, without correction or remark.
2:21
